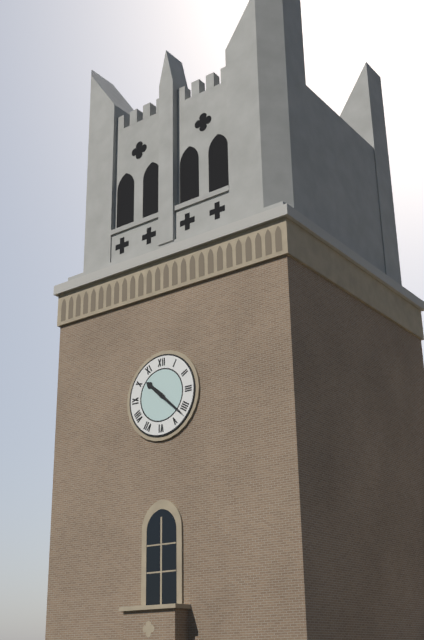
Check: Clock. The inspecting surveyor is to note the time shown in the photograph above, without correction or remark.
10:22
